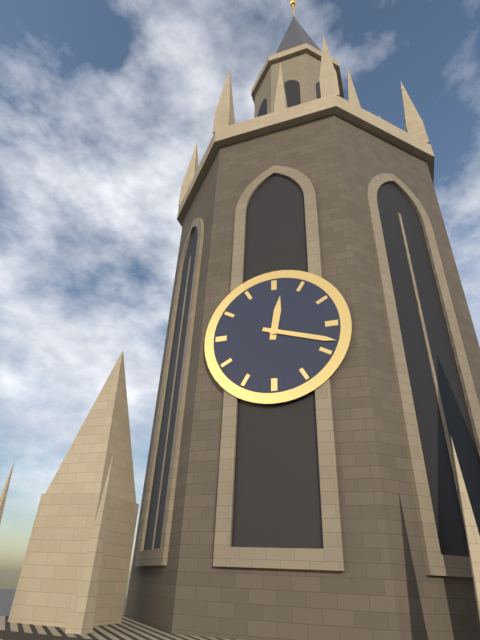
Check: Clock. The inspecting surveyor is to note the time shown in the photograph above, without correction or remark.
12:18
